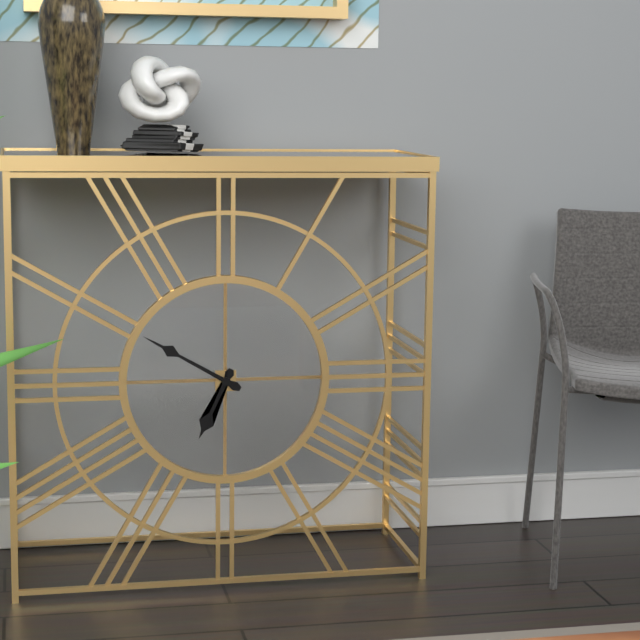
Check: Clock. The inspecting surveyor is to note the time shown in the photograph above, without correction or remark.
6:50
